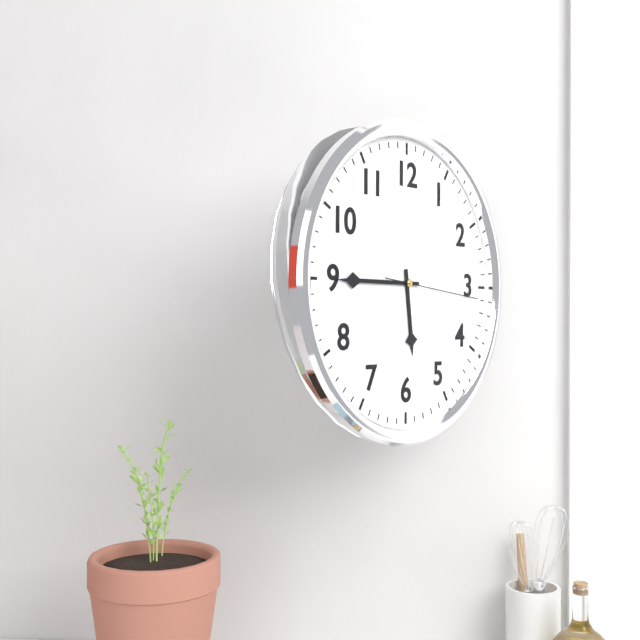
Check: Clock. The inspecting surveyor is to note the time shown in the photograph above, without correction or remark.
5:45:16
